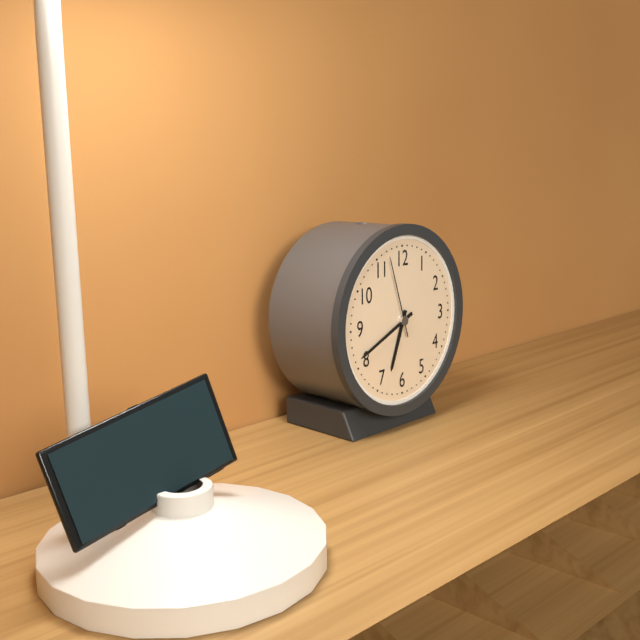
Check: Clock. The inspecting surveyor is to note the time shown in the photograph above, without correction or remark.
6:41:57
